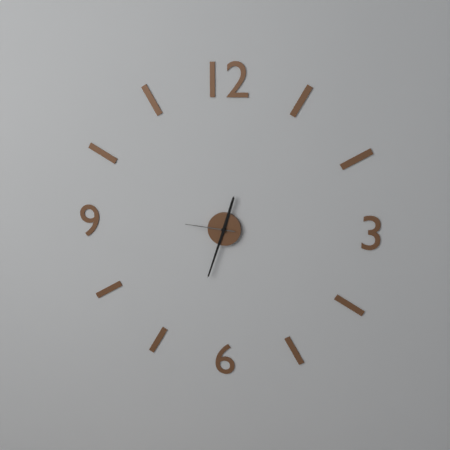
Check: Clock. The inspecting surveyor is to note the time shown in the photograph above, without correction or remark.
12:33:46
